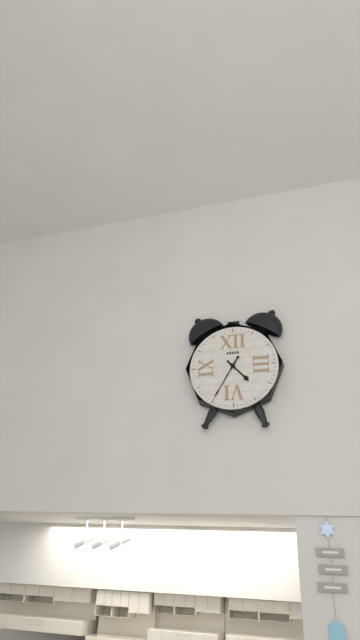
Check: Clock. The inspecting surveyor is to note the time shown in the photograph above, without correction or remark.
4:35
